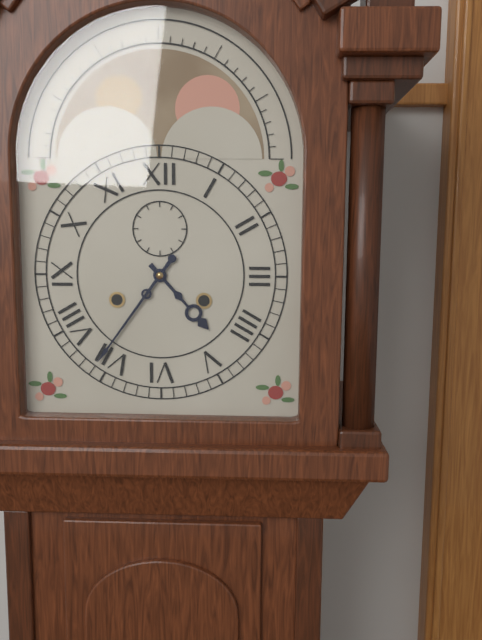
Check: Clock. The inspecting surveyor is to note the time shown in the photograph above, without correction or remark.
4:36
